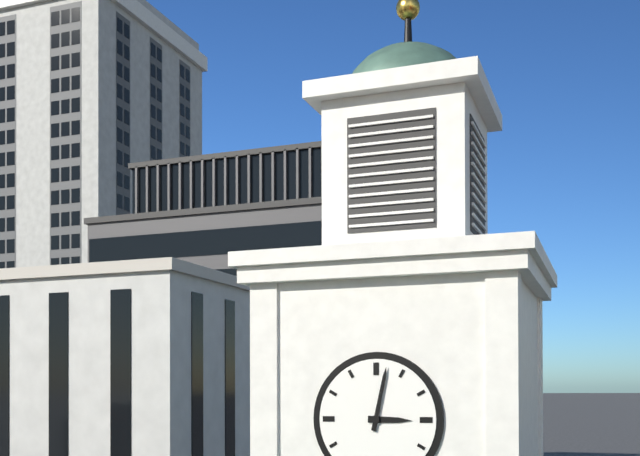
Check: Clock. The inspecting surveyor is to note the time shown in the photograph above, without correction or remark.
3:02
